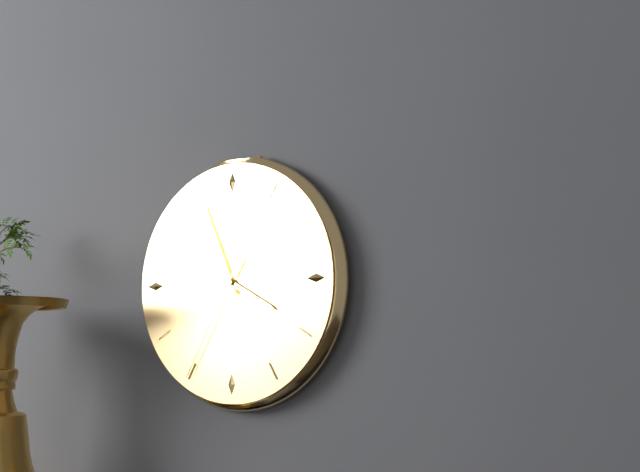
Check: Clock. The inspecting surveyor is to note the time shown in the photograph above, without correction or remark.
3:56:35
